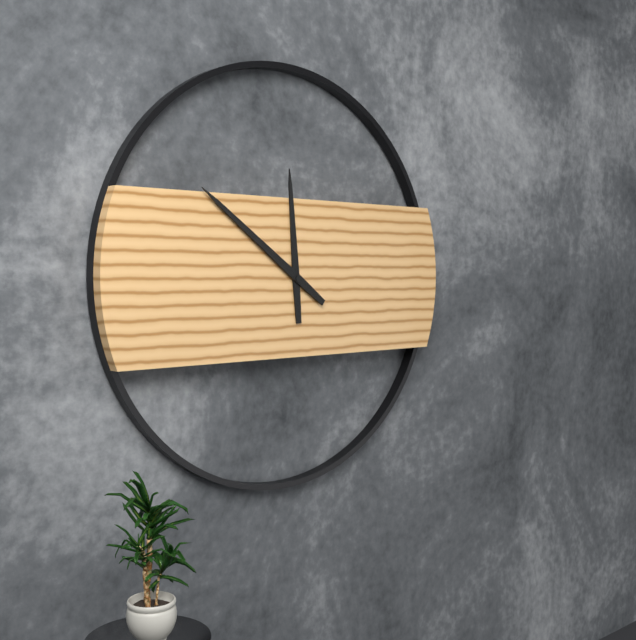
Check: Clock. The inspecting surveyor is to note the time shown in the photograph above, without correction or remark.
11:51
